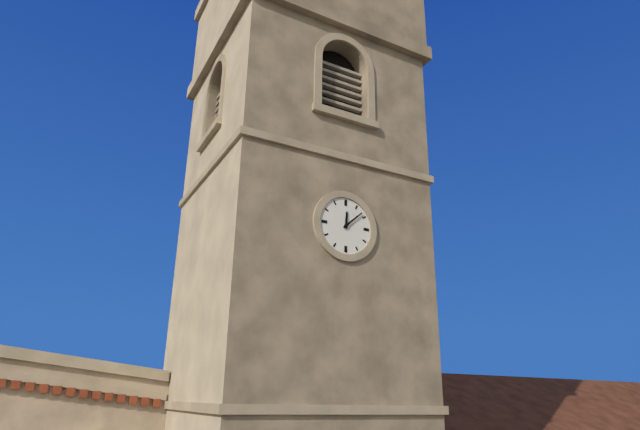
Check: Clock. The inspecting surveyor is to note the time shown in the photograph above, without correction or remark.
12:08
